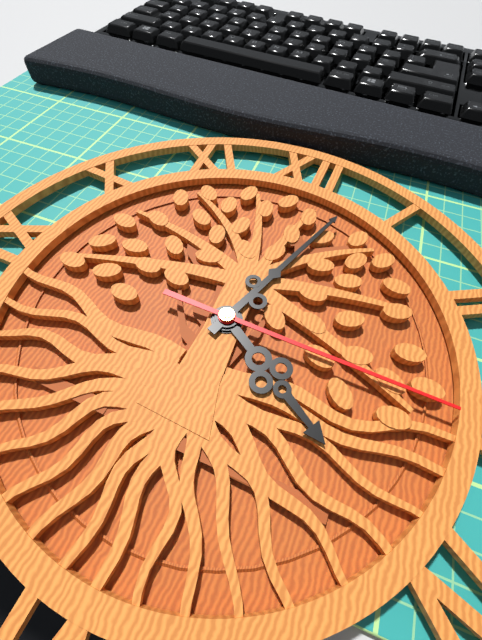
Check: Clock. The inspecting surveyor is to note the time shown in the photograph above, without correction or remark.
4:03:15
